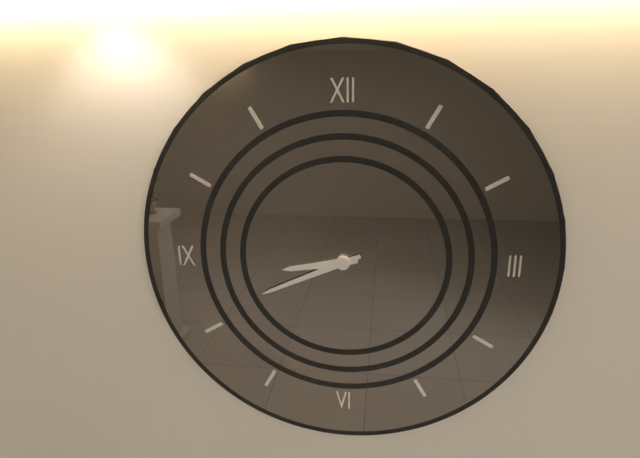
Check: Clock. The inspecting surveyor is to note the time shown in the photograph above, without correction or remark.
8:41
